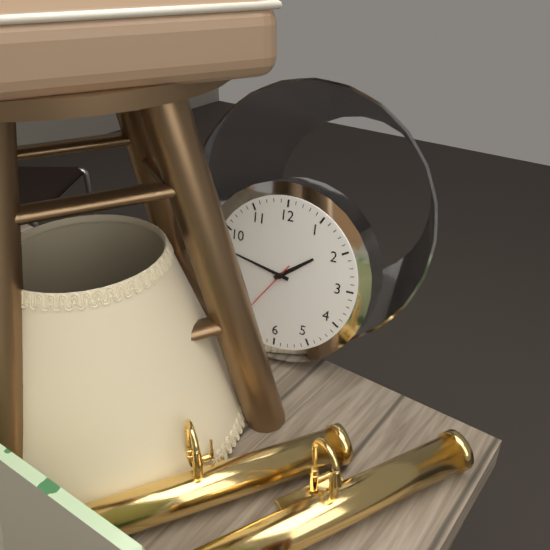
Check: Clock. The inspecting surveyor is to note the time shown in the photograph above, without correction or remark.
1:47
